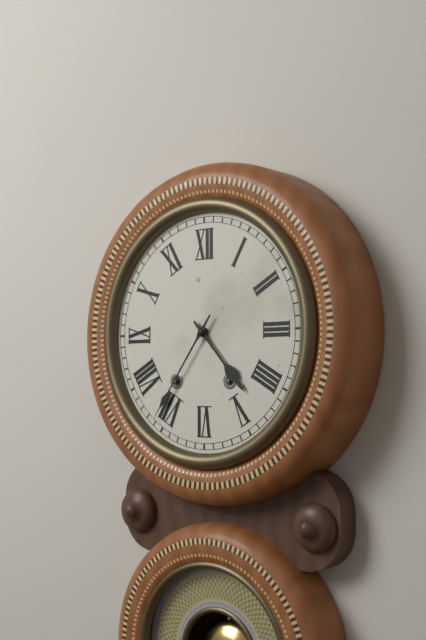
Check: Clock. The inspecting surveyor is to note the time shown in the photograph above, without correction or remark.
4:36
